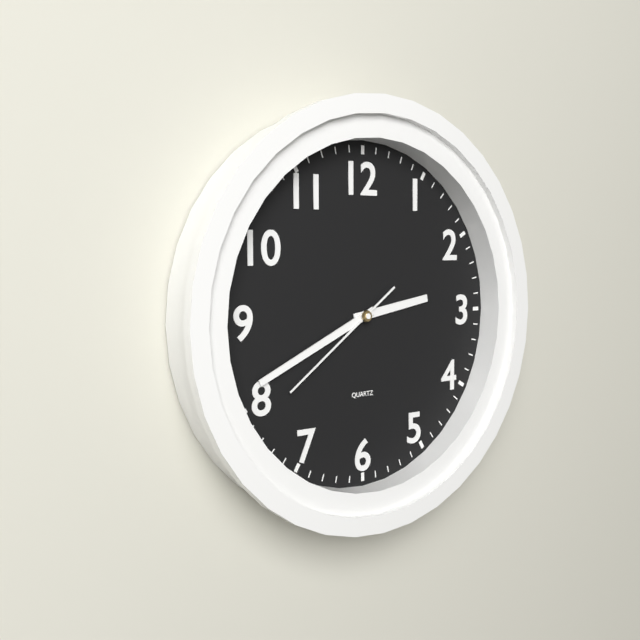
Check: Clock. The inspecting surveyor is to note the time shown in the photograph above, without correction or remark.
2:41:39
